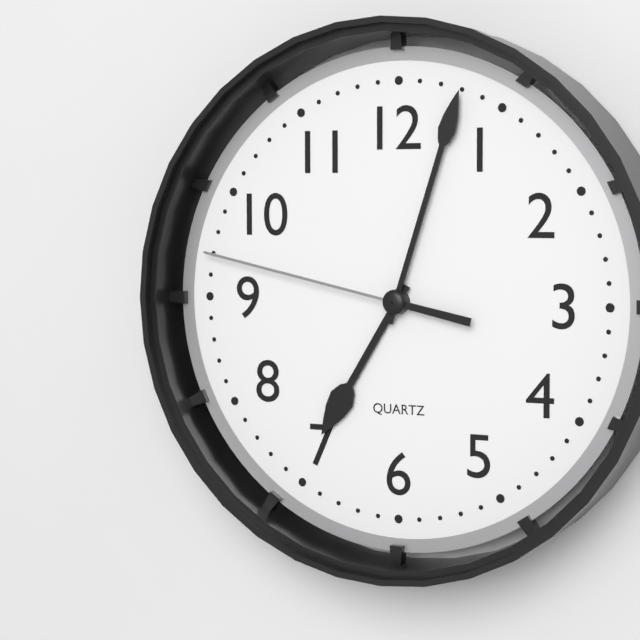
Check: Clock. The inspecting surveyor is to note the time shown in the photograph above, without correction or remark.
7:03:47
